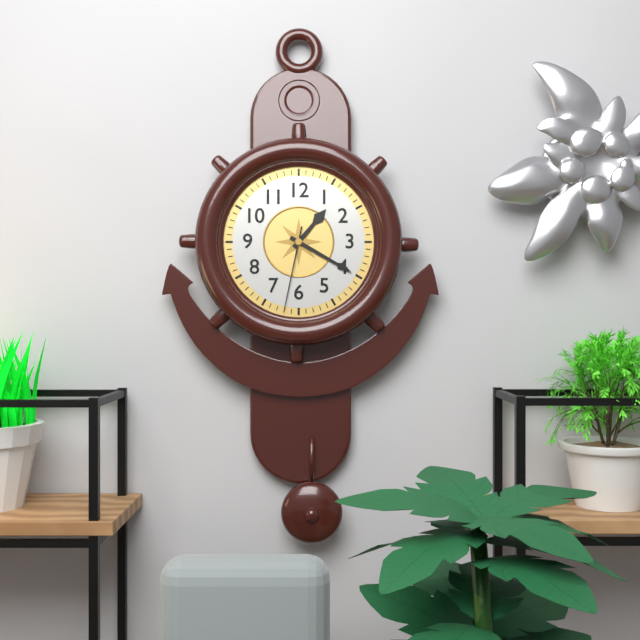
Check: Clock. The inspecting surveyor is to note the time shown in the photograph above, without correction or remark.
1:20:32
